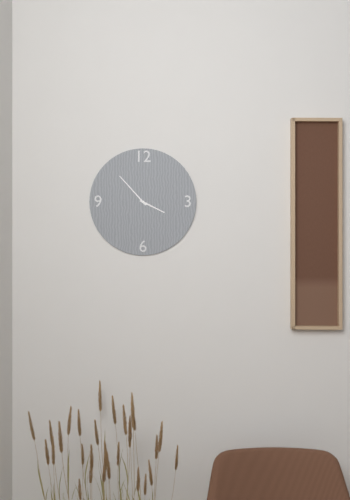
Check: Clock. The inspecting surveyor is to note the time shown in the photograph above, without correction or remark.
3:53
